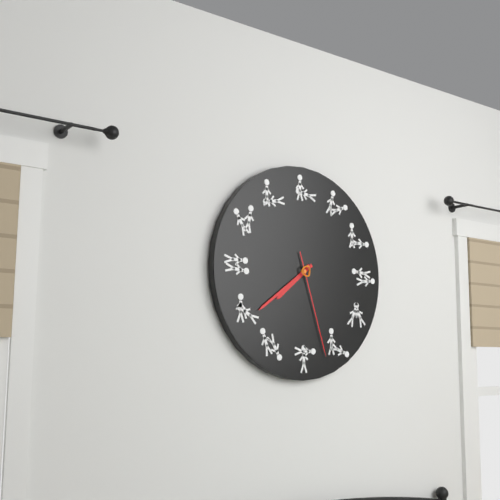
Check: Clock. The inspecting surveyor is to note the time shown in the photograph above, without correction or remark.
7:39:27
